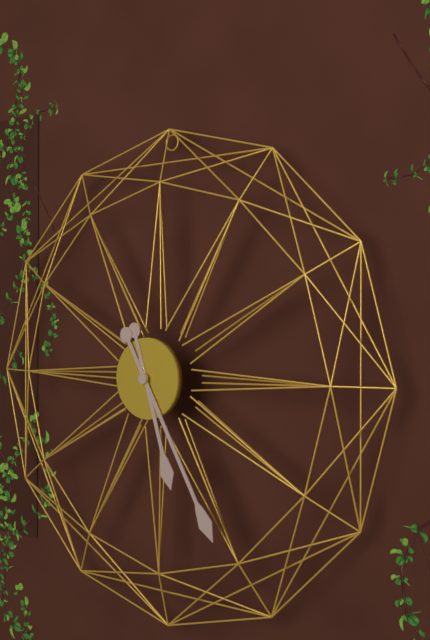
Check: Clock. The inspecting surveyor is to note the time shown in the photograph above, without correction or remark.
5:25
